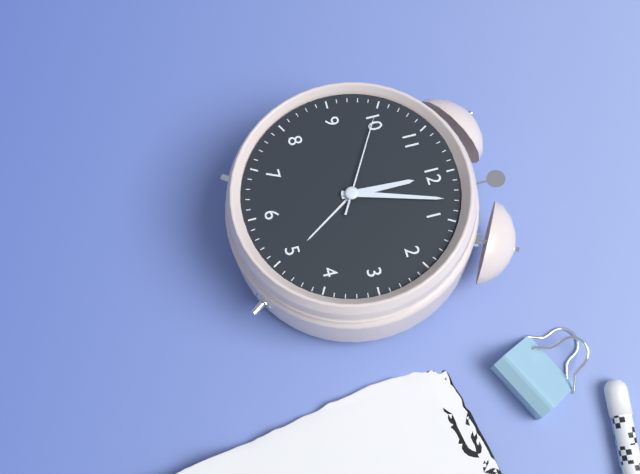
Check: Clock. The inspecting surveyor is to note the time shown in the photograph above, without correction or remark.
12:03:50
